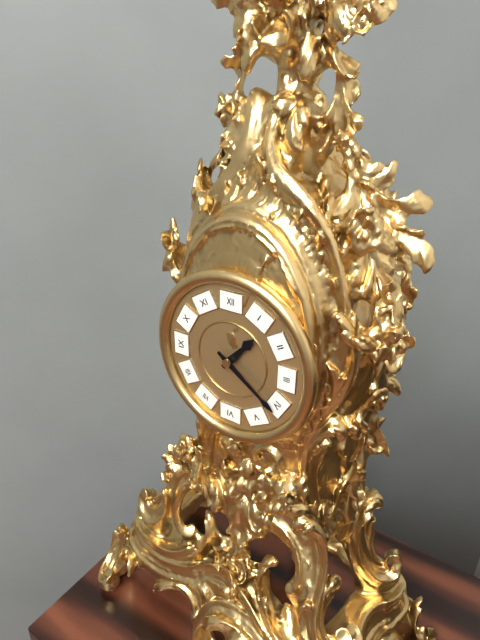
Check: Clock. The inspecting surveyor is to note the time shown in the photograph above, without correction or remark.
1:21
